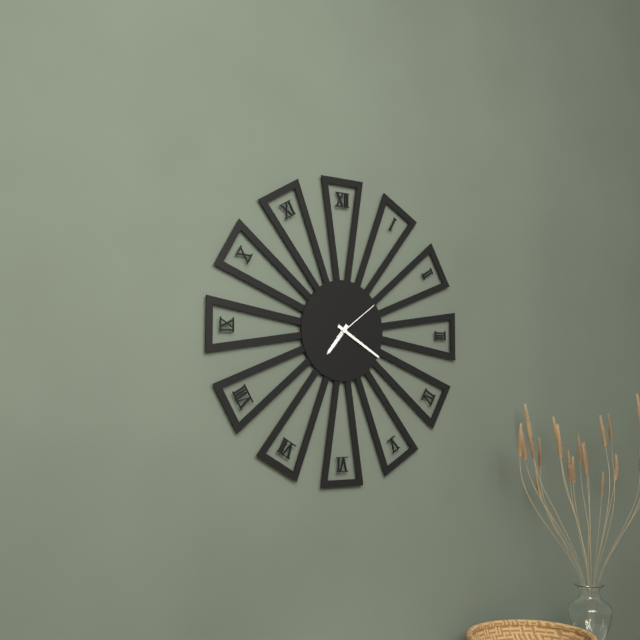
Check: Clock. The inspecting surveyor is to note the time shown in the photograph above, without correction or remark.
7:20
